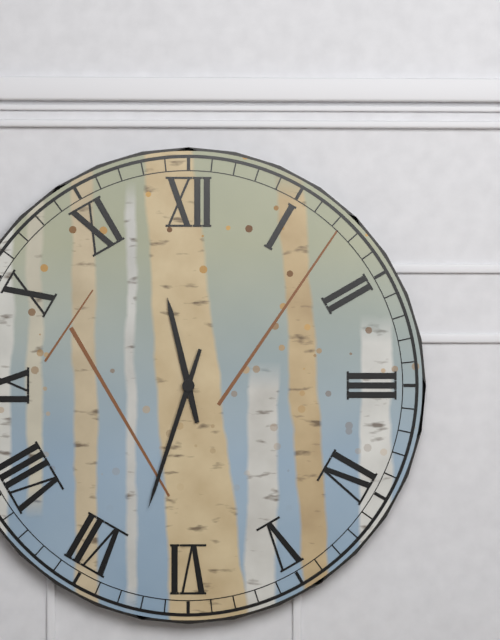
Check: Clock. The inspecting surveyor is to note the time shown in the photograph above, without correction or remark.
11:33
